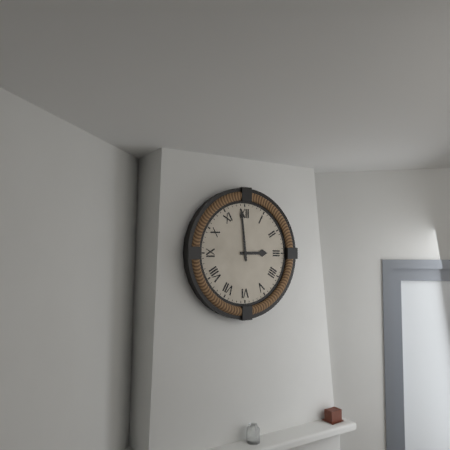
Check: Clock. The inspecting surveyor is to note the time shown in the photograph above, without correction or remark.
2:59
